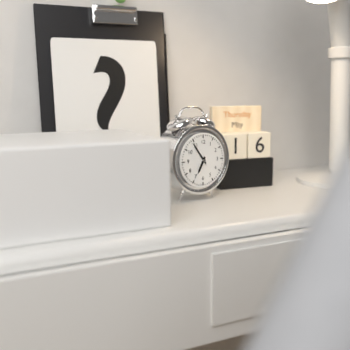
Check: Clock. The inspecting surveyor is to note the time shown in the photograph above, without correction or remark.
6:54
